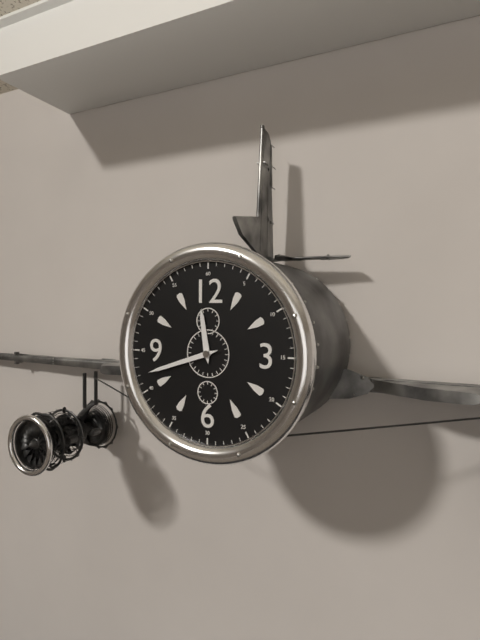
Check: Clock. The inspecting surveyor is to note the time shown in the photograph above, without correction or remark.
11:42
